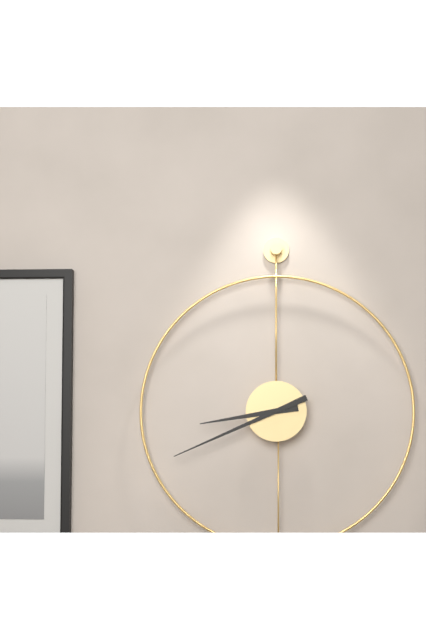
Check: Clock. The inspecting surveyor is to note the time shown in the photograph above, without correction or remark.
8:41
